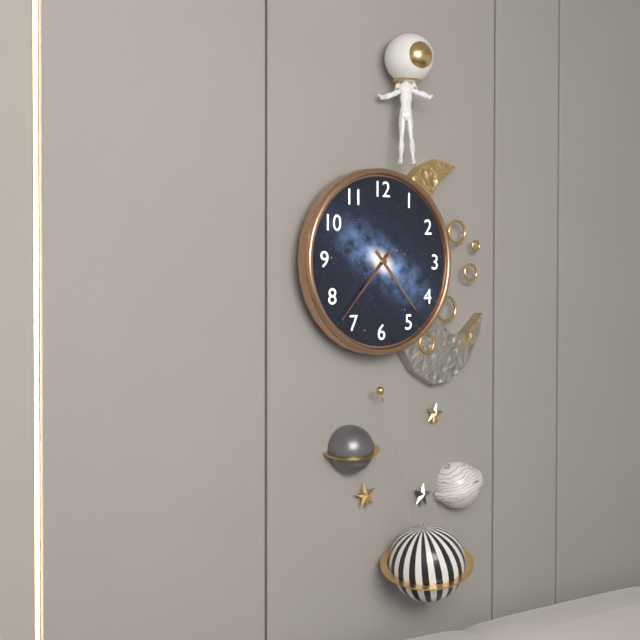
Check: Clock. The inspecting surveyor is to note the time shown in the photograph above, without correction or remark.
7:23:37
